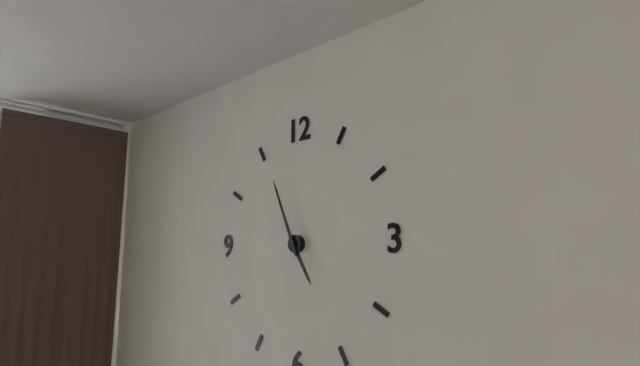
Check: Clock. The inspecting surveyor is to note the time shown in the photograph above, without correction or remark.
4:56
